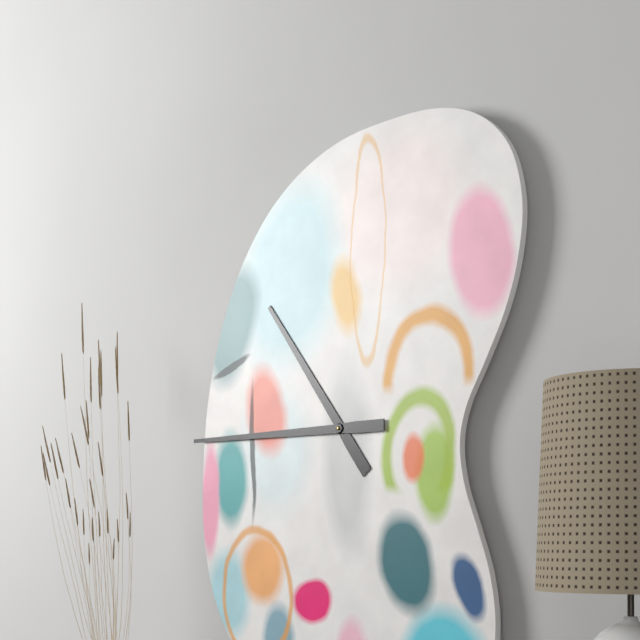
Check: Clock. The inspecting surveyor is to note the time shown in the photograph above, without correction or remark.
10:45
